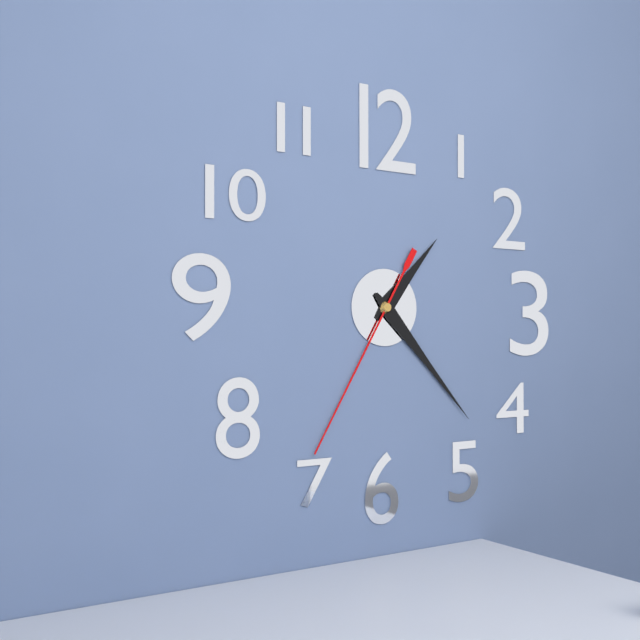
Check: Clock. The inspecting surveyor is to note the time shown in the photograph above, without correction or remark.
1:23:35
